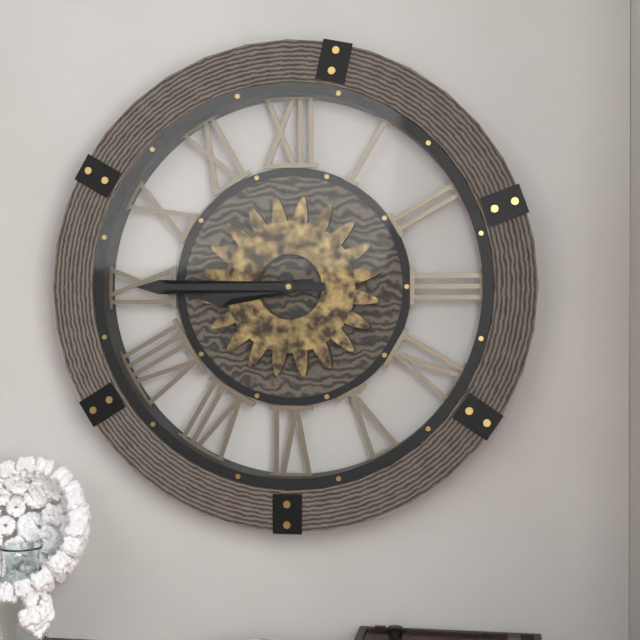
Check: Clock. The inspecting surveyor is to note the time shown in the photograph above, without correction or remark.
8:45
